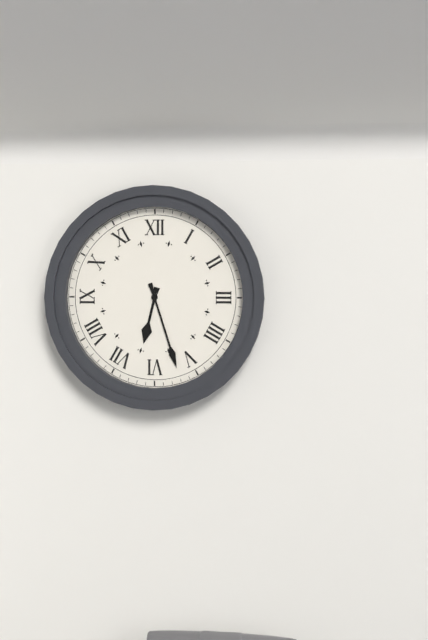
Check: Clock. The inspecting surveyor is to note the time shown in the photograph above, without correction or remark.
6:27
